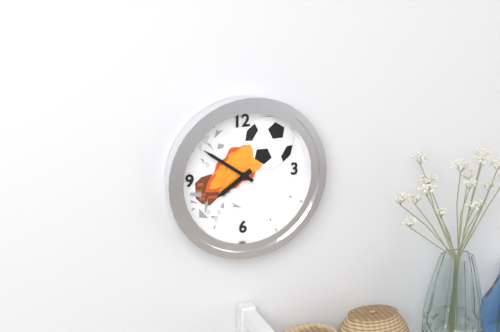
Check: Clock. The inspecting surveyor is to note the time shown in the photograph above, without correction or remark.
7:51
